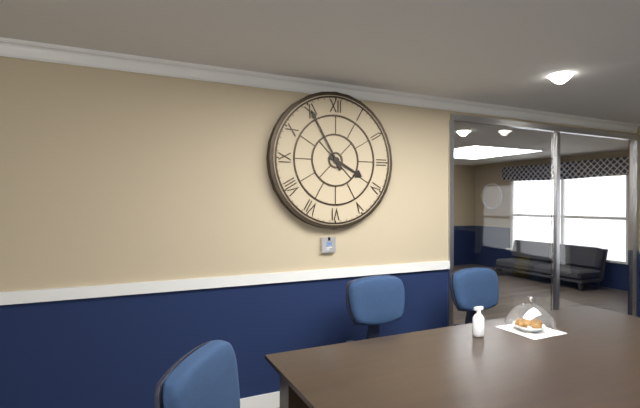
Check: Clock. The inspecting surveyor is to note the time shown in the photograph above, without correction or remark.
3:55
